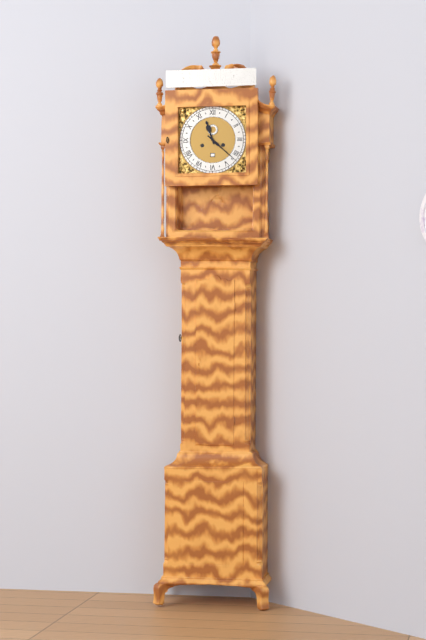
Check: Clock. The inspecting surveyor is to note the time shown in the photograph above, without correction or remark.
11:22
